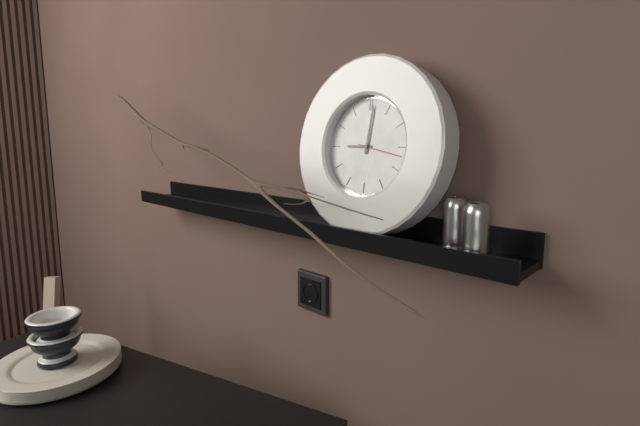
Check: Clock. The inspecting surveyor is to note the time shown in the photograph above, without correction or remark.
9:01
